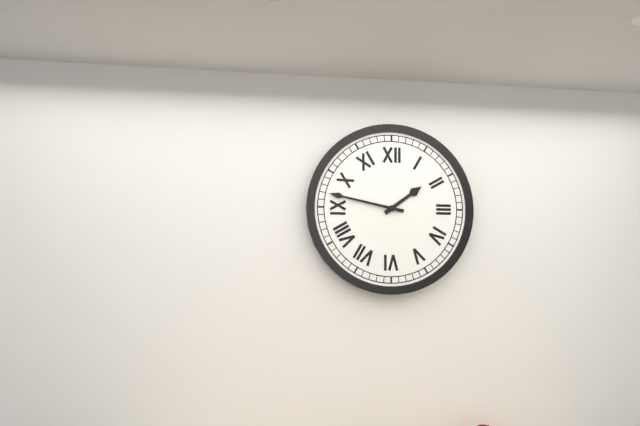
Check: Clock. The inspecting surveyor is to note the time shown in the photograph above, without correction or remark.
1:47
